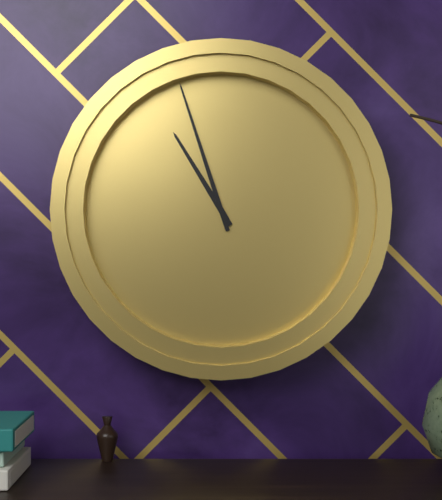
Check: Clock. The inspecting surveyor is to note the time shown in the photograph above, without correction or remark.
10:57
